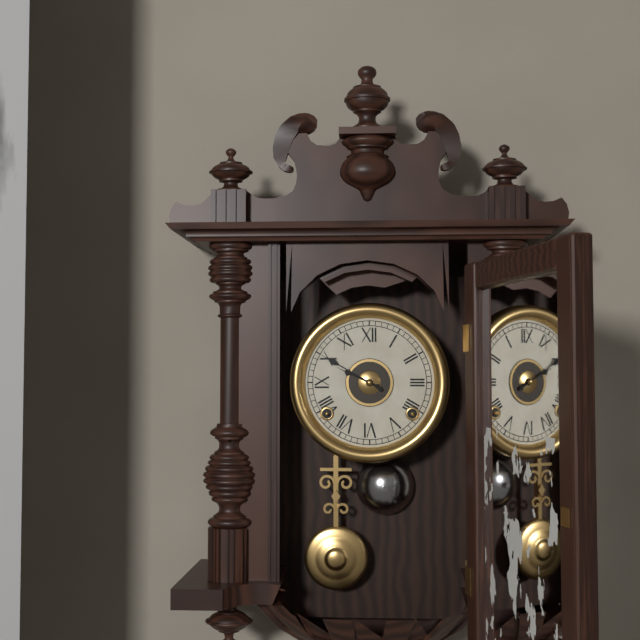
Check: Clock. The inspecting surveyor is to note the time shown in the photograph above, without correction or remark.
9:50
